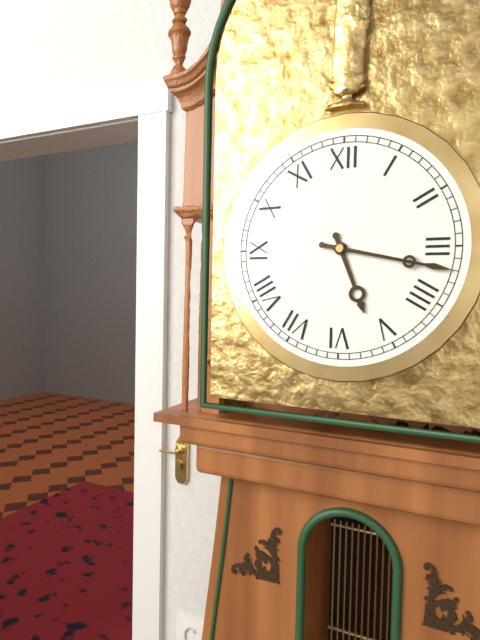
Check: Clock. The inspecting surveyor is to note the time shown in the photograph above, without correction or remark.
5:17
